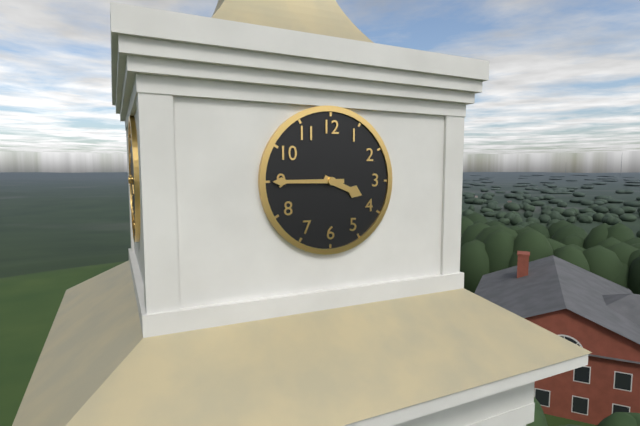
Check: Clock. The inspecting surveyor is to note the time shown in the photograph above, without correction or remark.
3:45
